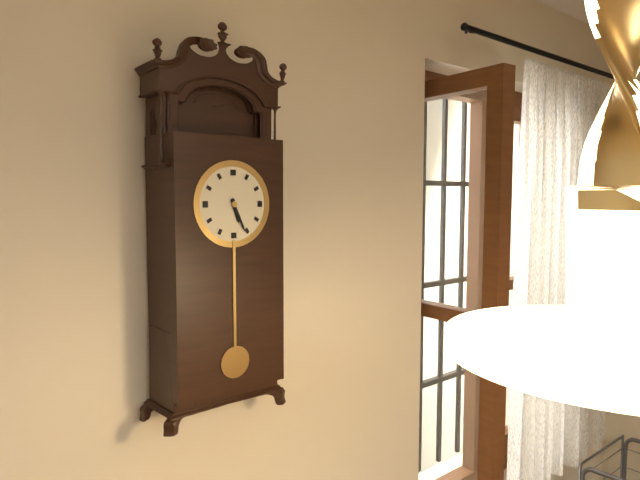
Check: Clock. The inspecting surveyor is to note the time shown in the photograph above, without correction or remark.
5:26
